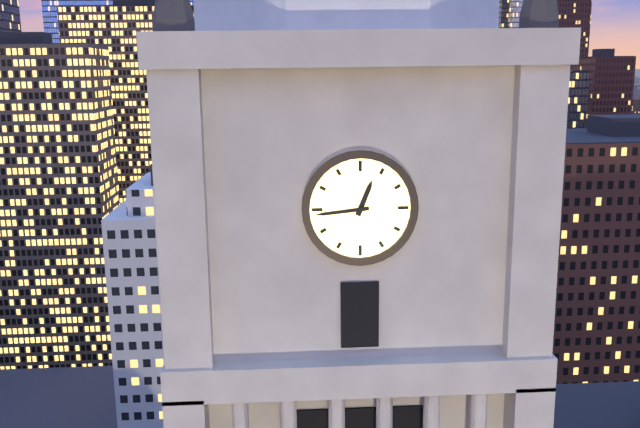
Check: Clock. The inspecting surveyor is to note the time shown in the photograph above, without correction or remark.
12:44
